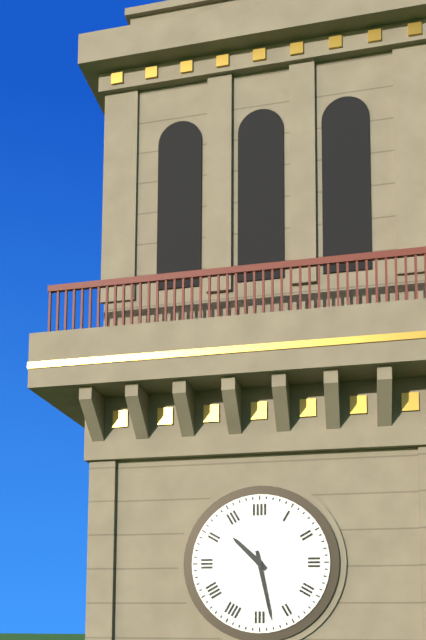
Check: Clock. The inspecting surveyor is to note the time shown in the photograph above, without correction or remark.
10:28
